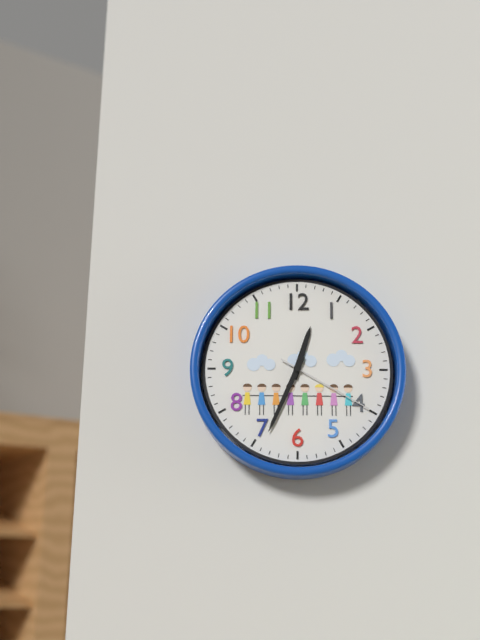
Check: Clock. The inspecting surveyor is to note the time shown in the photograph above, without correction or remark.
12:34:20
